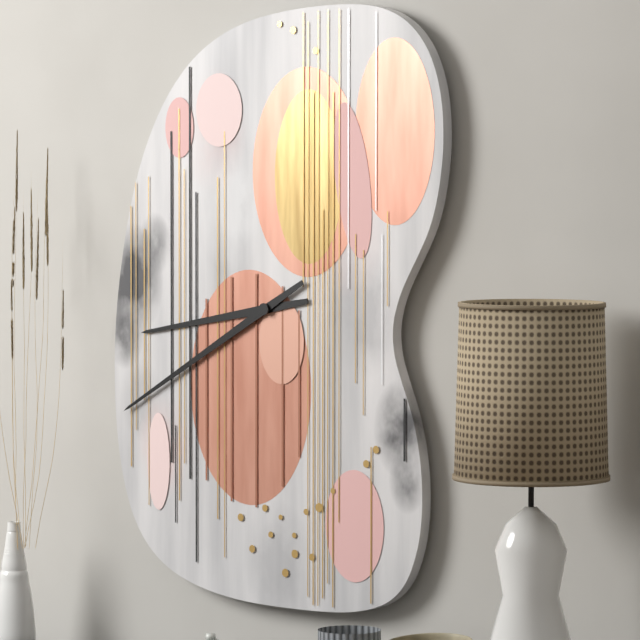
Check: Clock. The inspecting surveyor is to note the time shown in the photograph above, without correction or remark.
8:40
